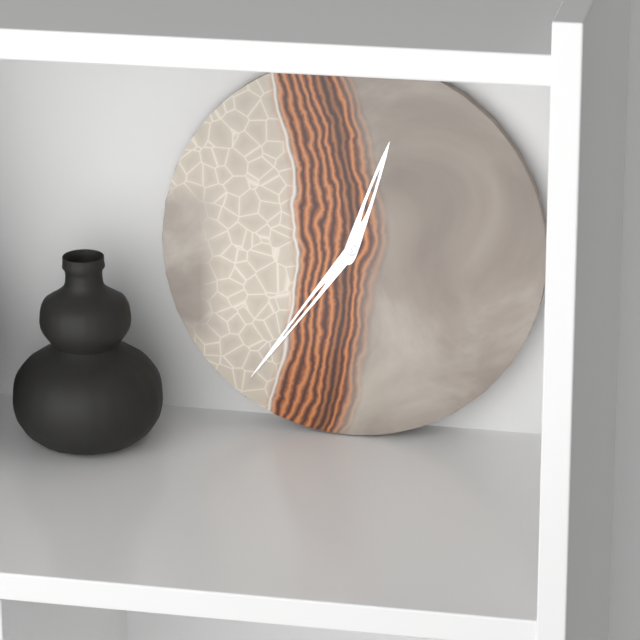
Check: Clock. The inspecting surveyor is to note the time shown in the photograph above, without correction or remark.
12:36
